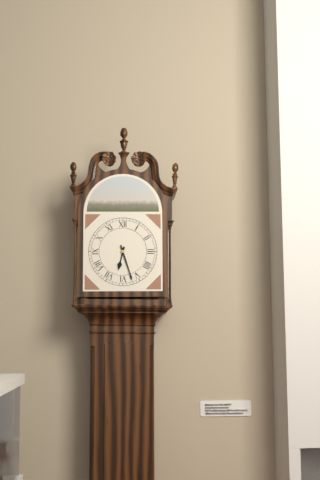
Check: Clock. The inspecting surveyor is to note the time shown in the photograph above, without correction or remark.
6:27
